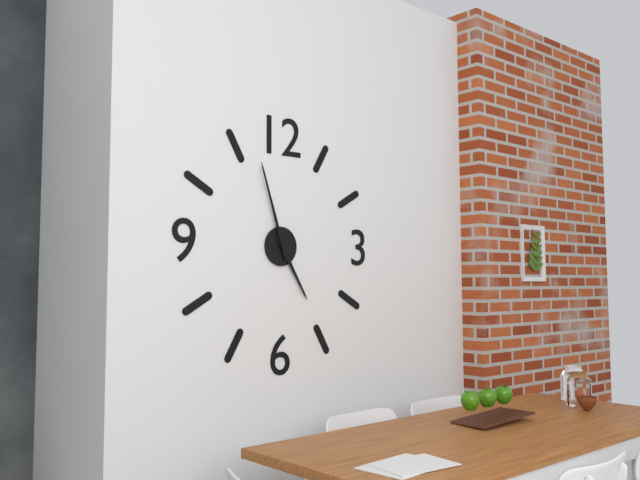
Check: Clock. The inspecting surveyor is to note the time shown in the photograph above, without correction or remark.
4:57
